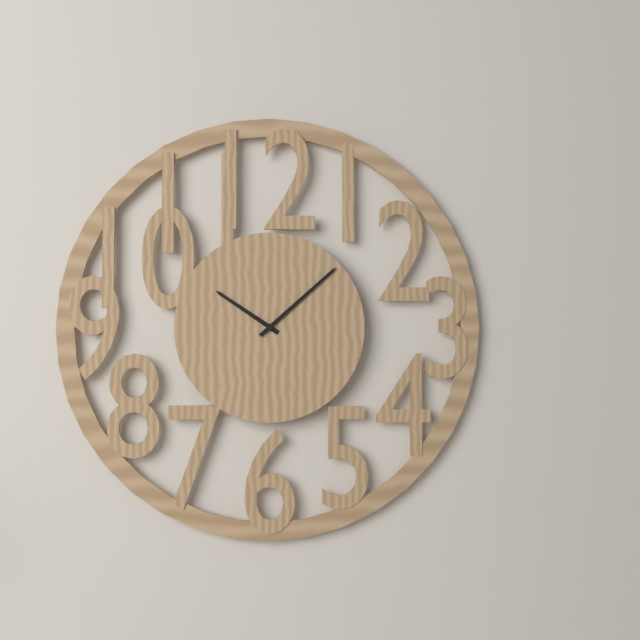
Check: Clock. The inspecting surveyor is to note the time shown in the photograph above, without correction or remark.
10:08
